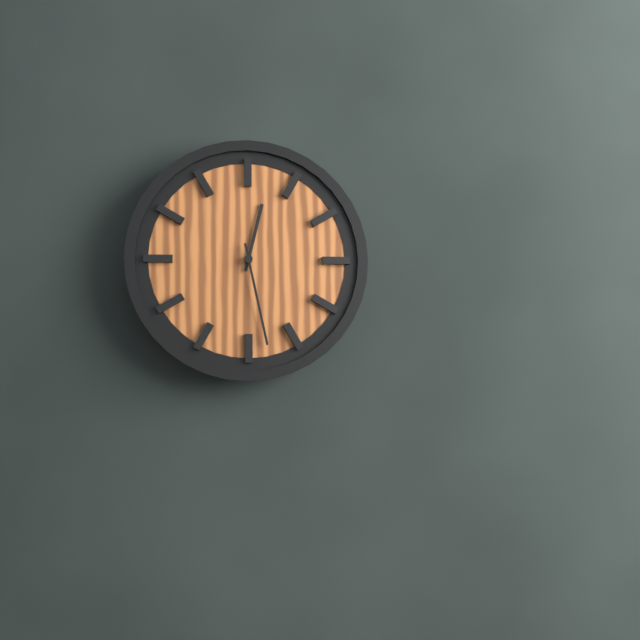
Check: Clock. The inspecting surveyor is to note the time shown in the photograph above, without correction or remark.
12:28
